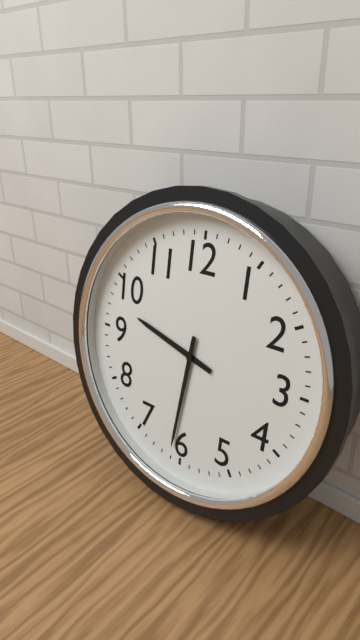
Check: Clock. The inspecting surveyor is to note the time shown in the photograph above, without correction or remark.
9:31
